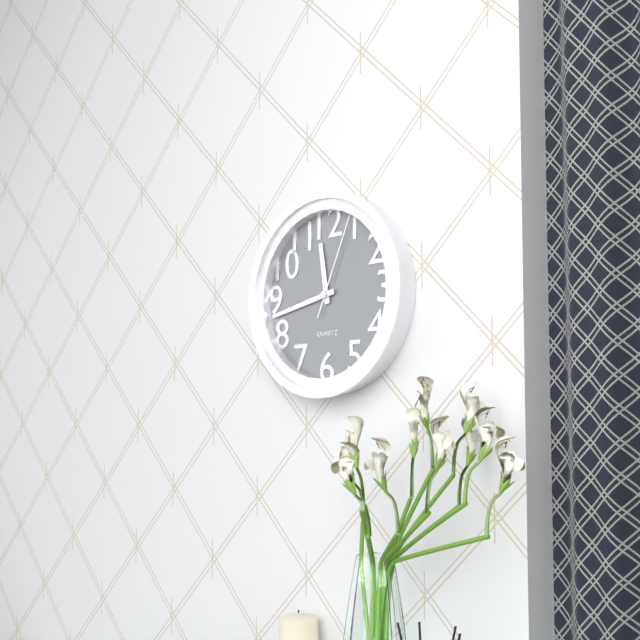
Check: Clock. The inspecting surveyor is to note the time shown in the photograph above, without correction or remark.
11:43:04
